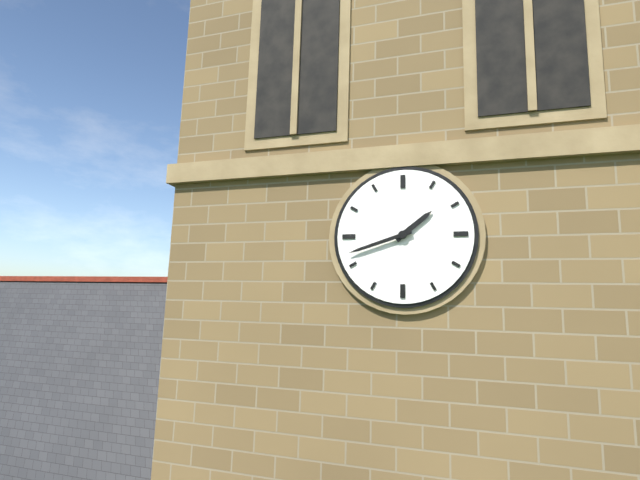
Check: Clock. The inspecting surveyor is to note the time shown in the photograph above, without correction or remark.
1:42
